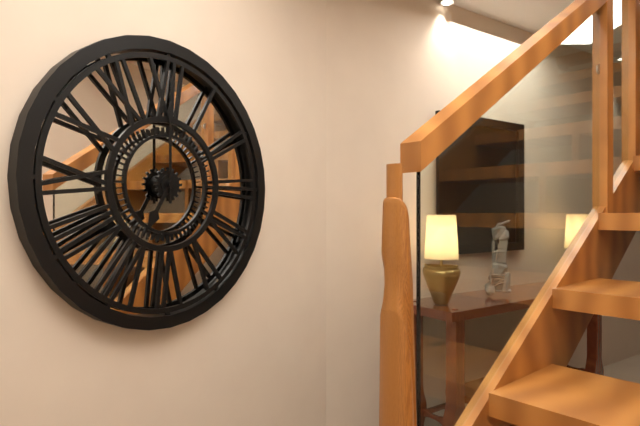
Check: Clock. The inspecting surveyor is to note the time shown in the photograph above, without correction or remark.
7:00
